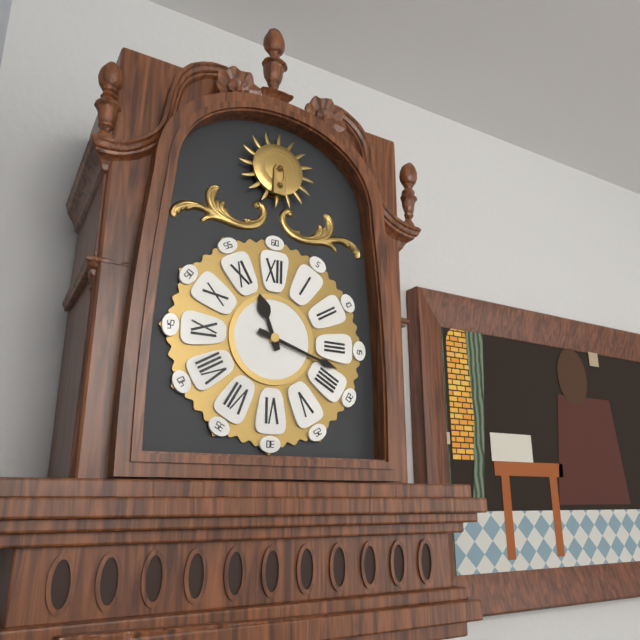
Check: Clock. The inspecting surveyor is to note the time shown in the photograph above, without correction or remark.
11:18
